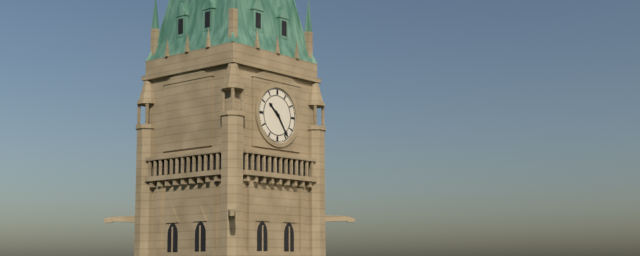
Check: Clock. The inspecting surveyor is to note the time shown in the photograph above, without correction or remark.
10:24
